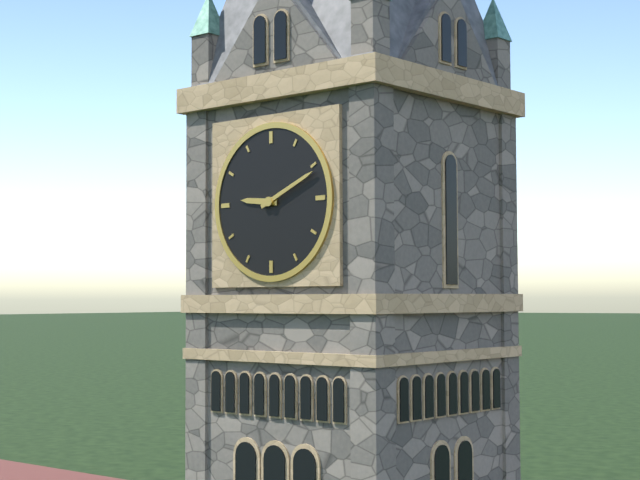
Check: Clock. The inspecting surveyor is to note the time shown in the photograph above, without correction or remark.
9:11
